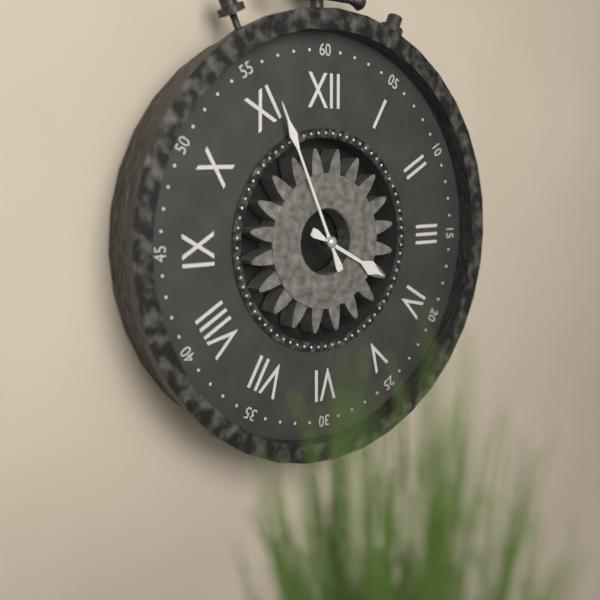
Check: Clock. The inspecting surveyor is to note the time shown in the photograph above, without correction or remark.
3:56
